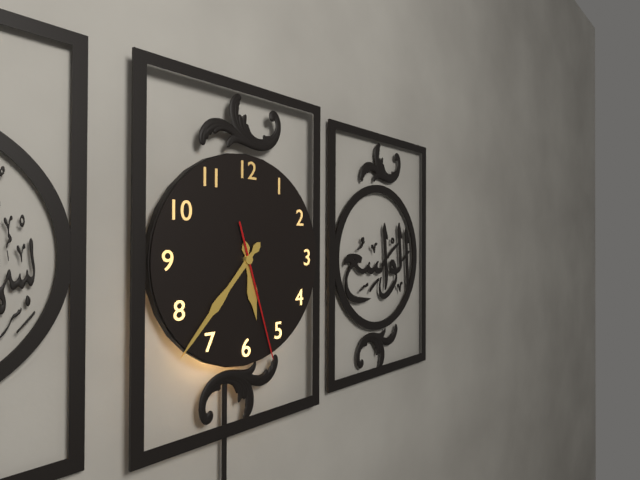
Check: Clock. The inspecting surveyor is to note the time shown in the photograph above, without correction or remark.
5:37:27
